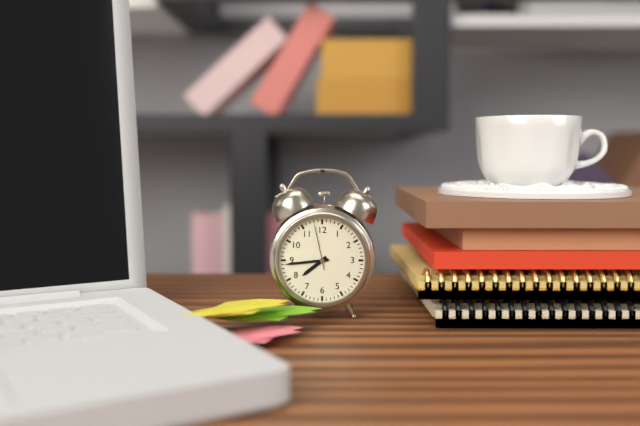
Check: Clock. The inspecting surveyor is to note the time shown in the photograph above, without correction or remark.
7:44:58
